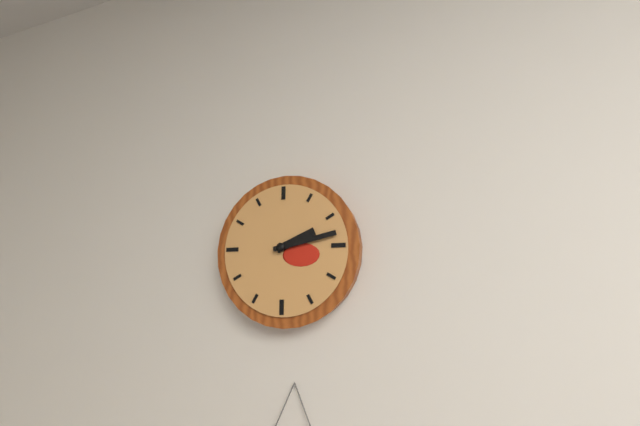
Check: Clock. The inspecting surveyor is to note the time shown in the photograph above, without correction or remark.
2:13
